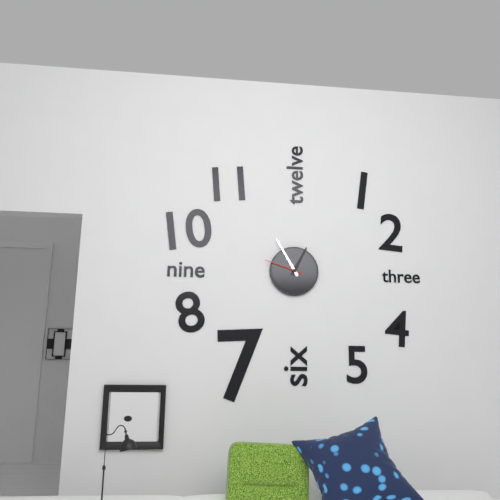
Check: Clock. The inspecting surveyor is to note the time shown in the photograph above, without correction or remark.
12:55
